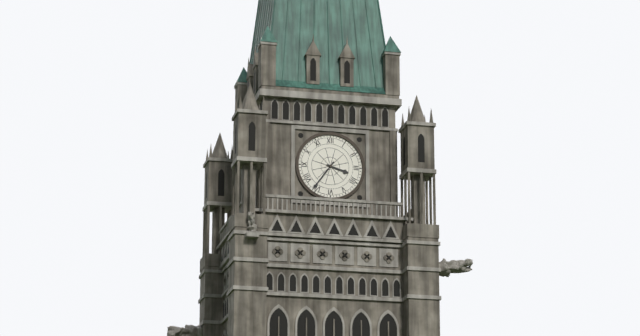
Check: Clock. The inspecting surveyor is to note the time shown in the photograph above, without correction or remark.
3:36
